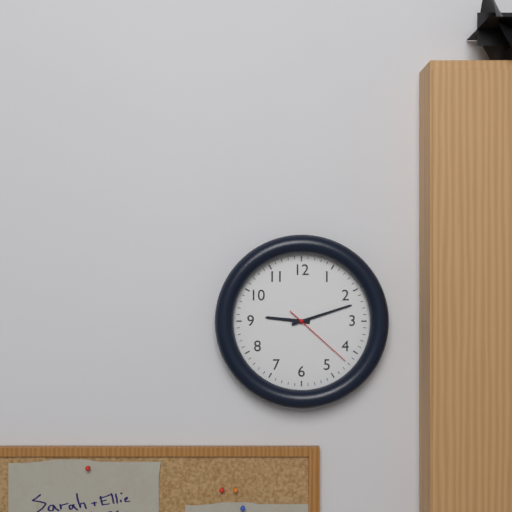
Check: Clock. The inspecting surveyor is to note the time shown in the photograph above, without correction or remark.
9:12:22
